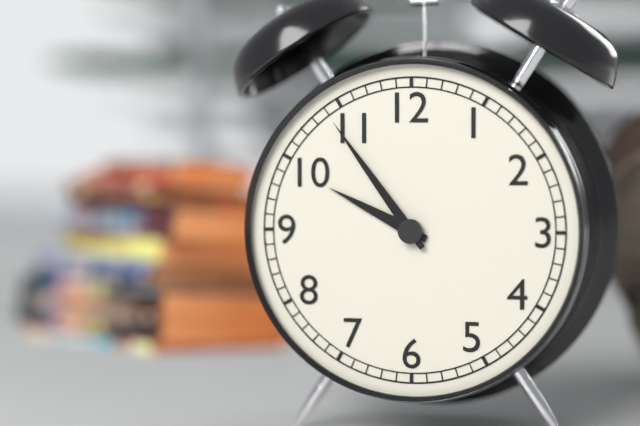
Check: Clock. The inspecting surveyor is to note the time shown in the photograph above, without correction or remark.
9:54
